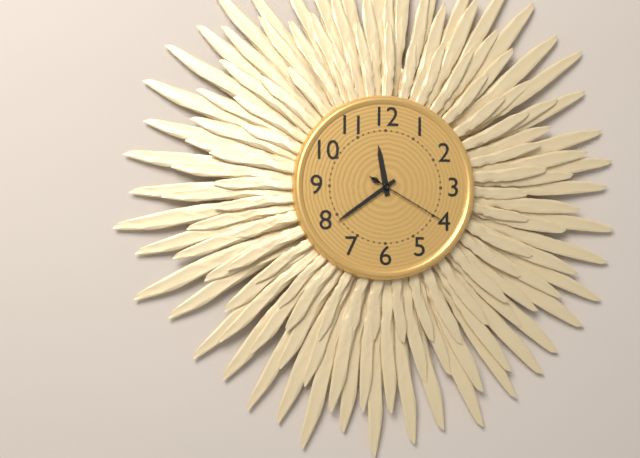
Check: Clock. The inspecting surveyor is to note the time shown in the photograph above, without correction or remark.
11:39:20
